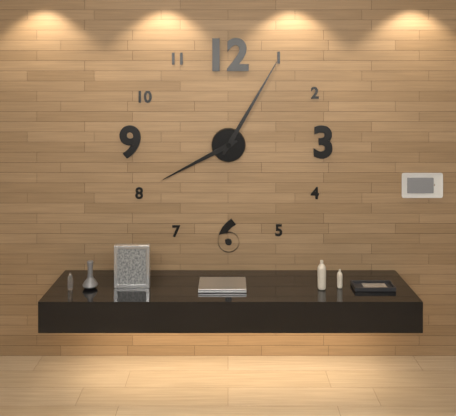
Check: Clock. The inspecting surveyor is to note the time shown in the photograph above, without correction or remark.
8:05
